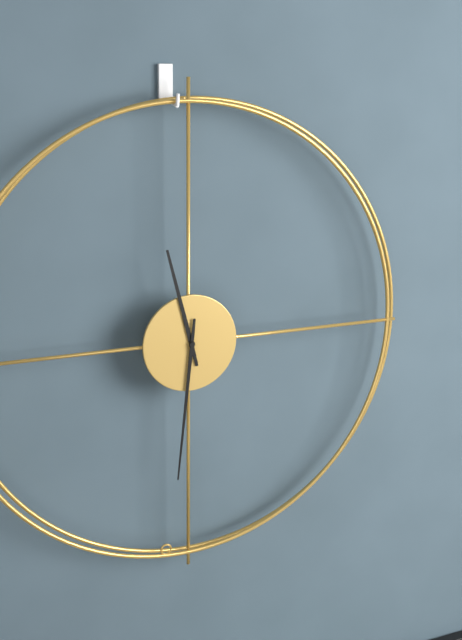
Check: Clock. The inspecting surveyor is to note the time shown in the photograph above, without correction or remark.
11:31
